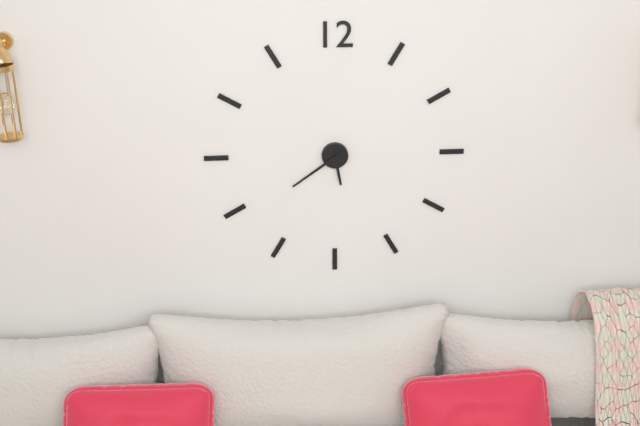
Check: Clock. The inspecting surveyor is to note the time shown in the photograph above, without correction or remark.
5:39
